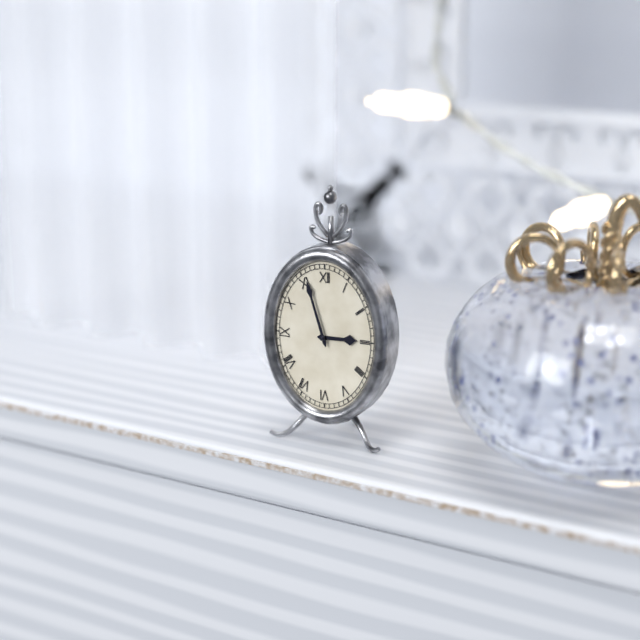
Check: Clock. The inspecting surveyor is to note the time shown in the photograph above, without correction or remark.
2:57
